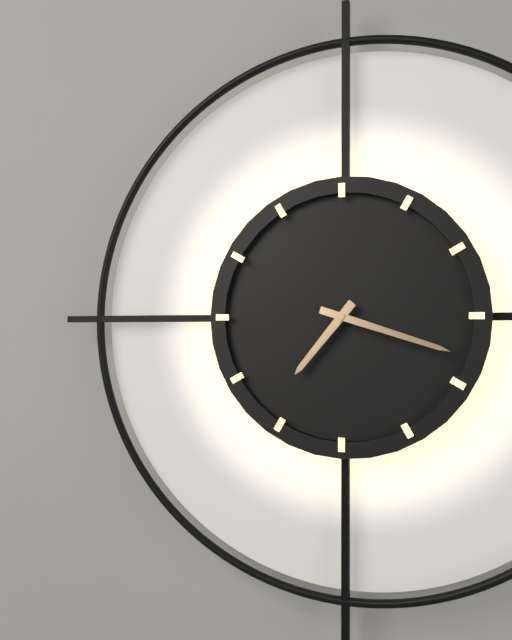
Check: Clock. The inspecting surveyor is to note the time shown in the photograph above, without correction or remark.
7:18
